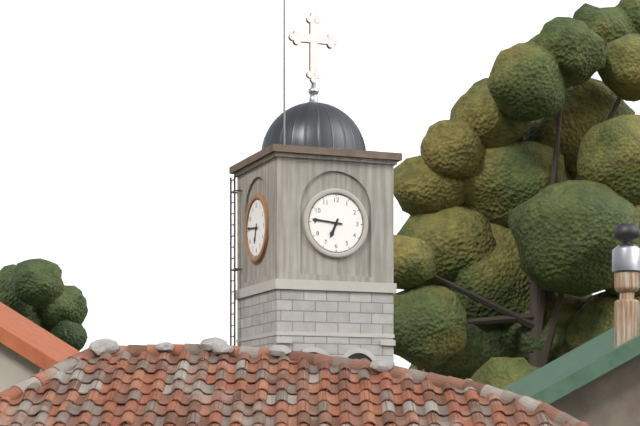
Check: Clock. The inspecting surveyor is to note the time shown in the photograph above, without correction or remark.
6:46
